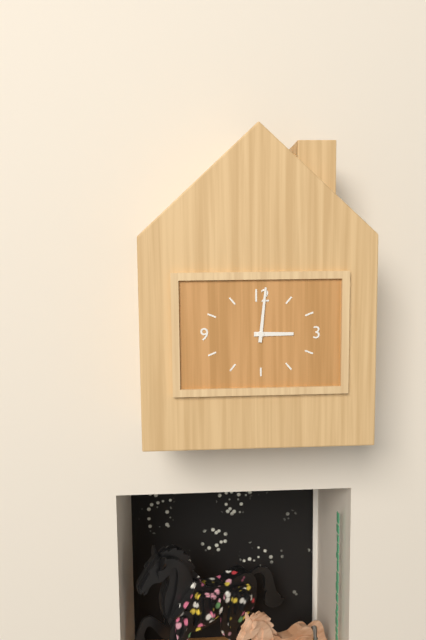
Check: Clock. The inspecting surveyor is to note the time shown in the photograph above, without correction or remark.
3:01
